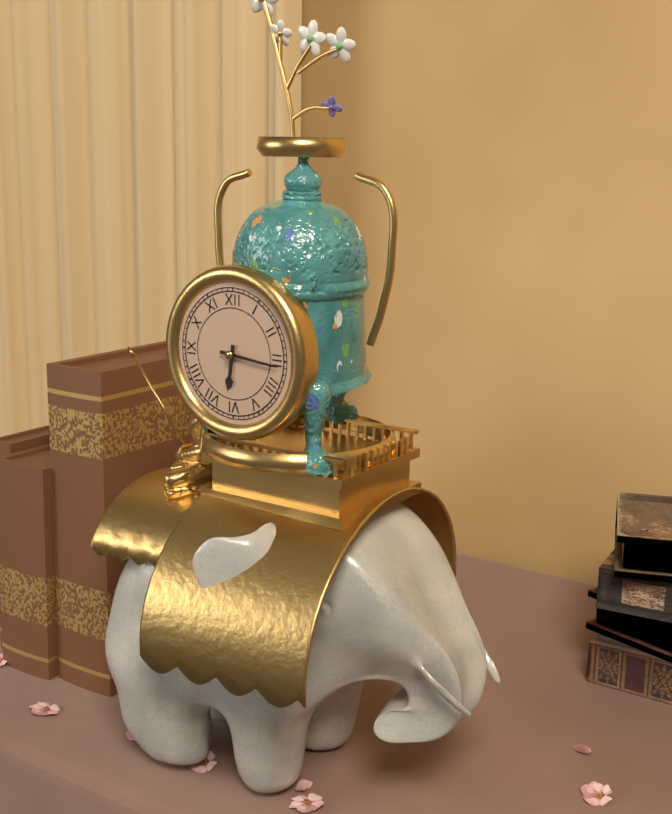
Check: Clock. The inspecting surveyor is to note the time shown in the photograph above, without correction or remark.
6:16
